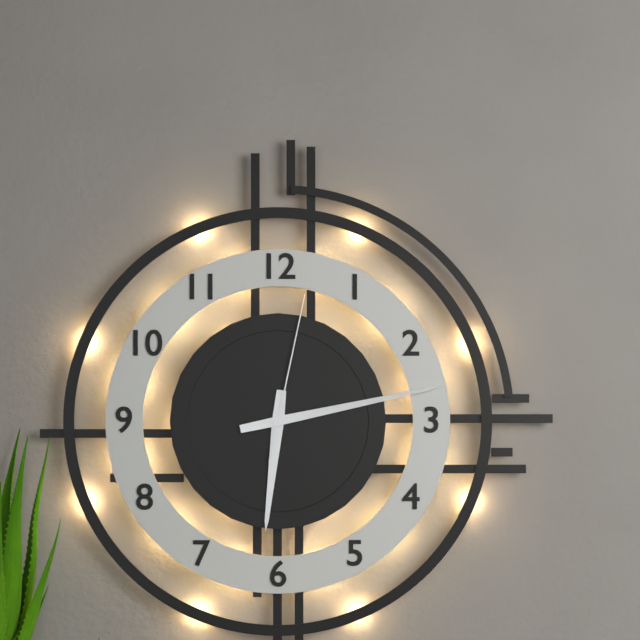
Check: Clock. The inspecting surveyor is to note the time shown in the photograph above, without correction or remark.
6:13:02
